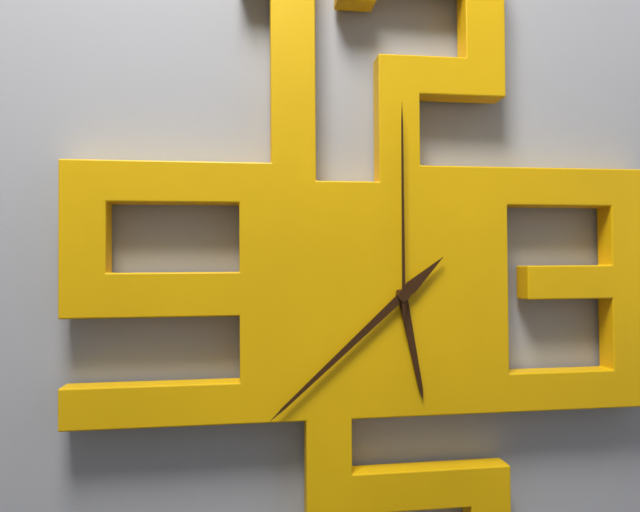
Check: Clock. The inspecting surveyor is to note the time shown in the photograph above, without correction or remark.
5:38:00
